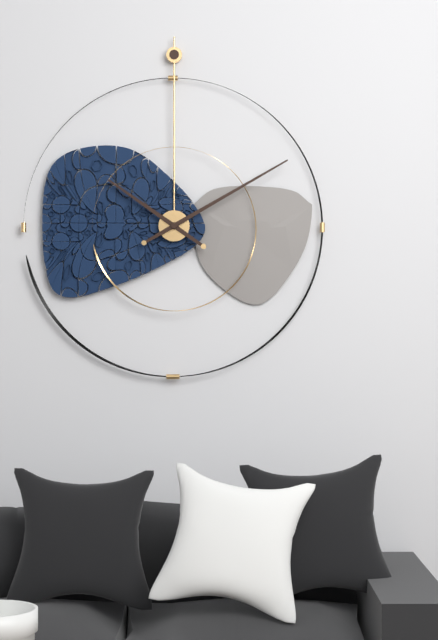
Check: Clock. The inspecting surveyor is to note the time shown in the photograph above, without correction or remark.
10:10
